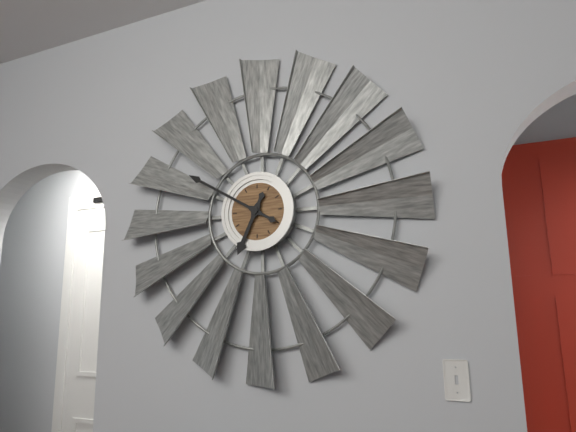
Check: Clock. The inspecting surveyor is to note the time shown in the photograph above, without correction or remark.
6:50
